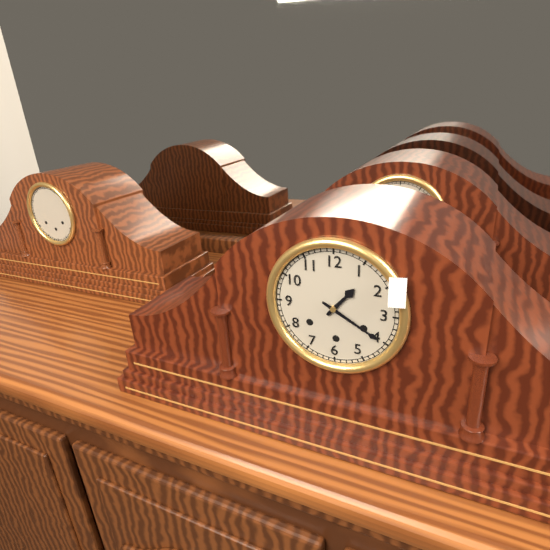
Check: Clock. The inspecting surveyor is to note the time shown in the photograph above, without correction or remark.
1:20
